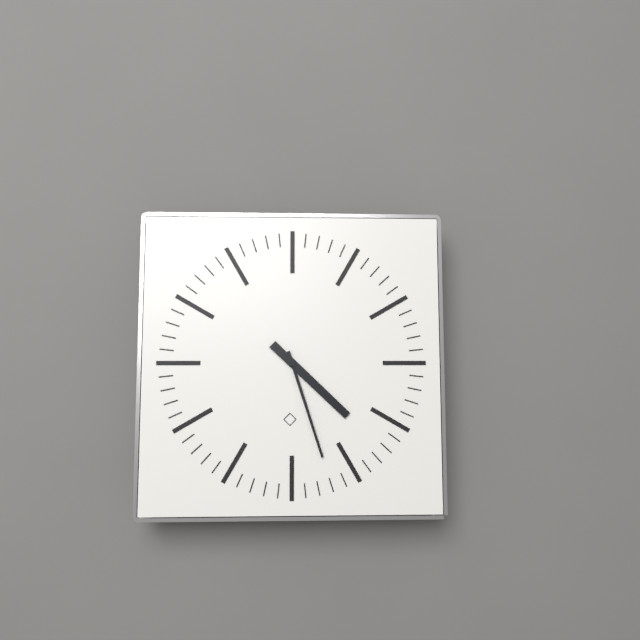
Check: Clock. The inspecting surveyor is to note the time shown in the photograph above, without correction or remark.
4:27
